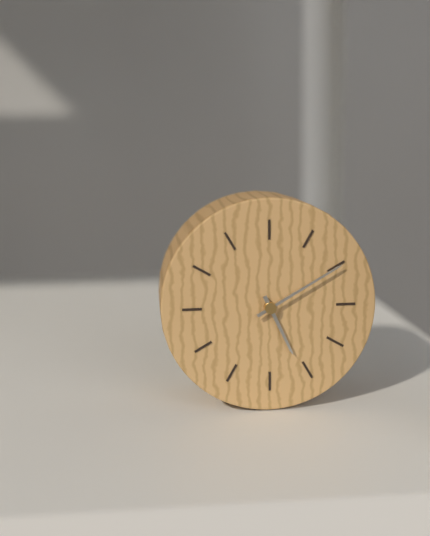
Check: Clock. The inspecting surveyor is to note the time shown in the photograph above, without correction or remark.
5:10
